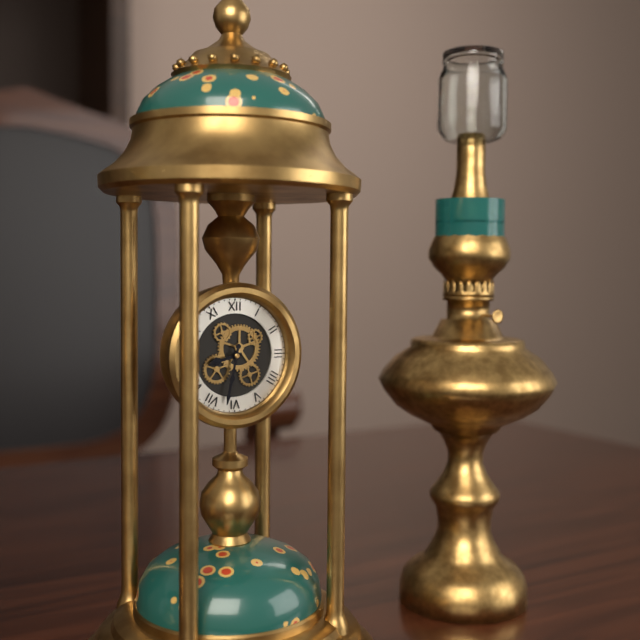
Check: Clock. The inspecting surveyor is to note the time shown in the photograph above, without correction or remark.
8:32
